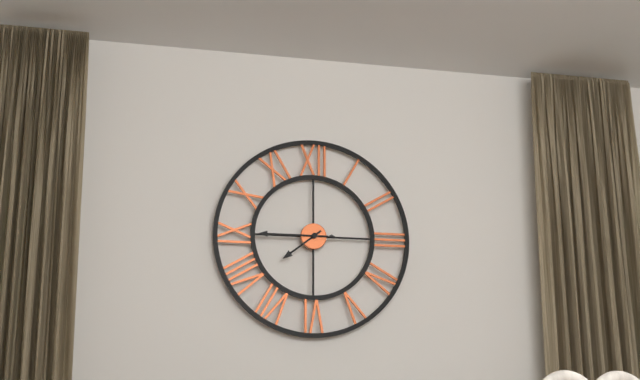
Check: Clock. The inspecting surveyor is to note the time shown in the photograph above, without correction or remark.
7:45
